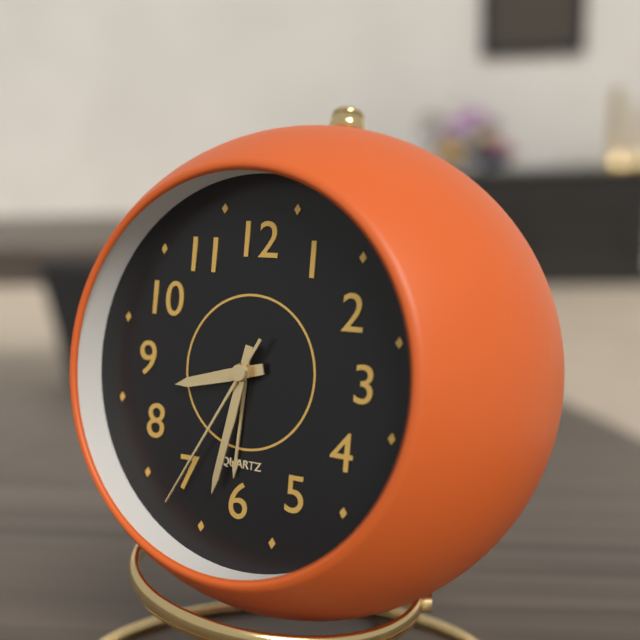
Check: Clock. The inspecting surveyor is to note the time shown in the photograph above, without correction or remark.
8:32:35
